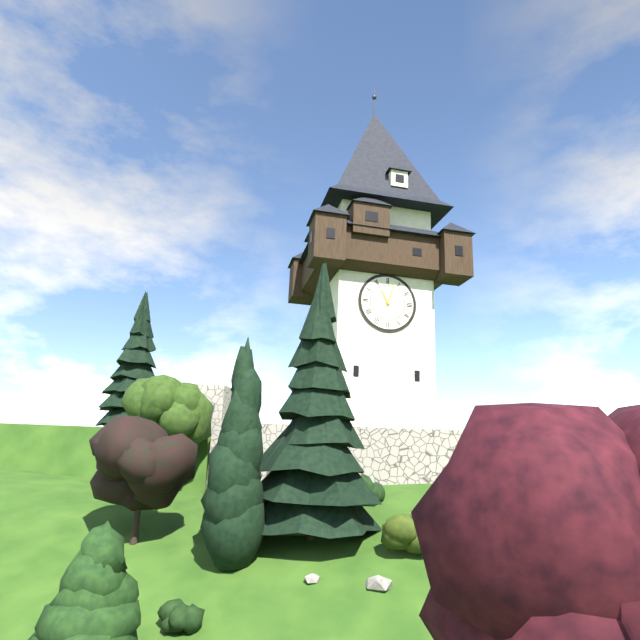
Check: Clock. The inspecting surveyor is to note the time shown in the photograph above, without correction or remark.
11:03
